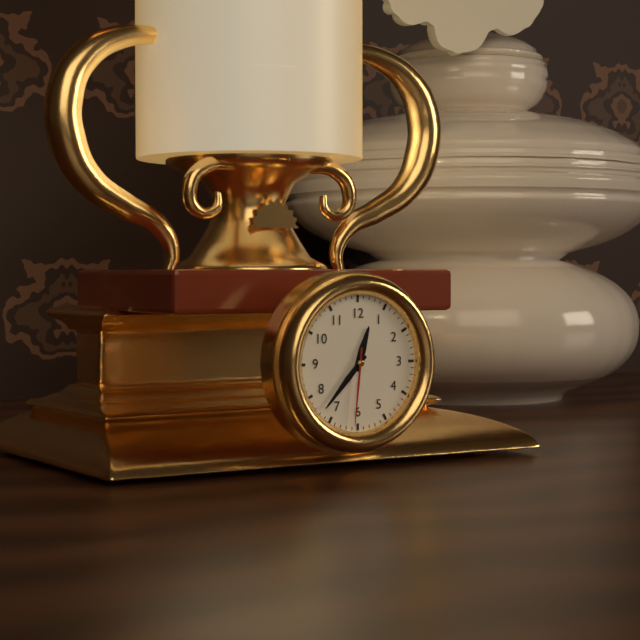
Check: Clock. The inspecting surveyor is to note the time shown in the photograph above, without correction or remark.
12:37:31
